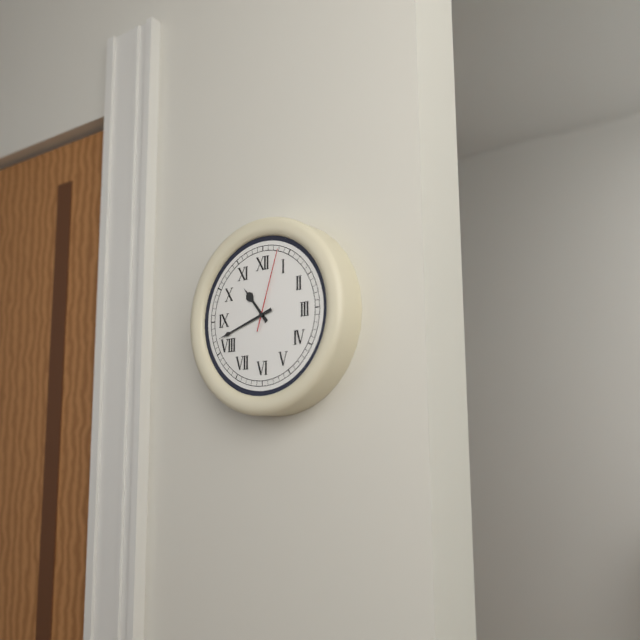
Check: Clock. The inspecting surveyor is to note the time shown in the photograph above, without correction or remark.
10:42:03
